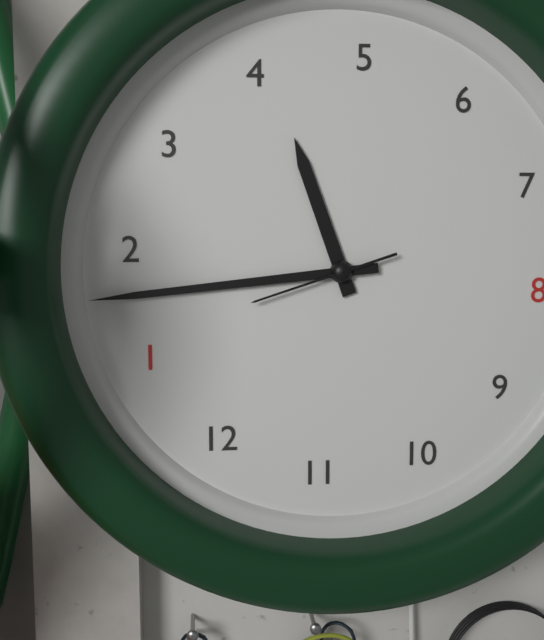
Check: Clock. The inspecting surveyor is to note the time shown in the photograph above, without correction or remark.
4:08:06
